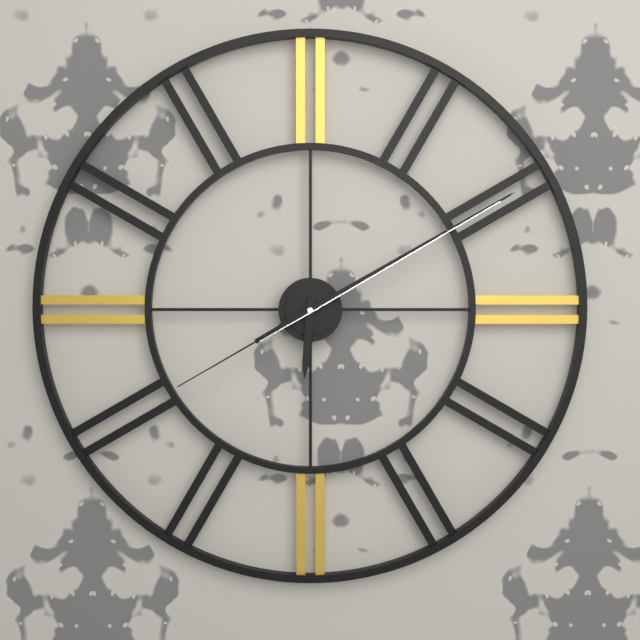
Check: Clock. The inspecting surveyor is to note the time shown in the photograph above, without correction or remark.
6:10:40
